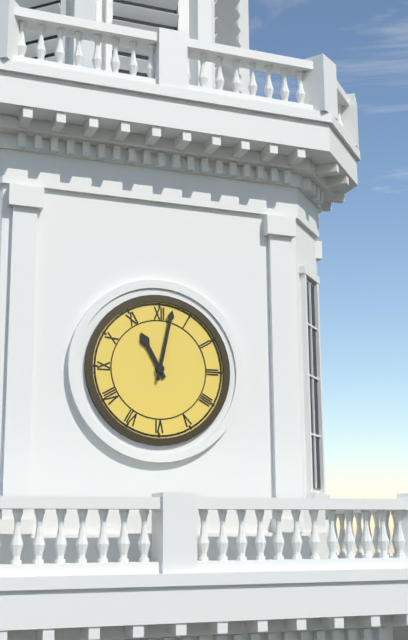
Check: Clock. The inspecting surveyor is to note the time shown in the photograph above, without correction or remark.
11:02
